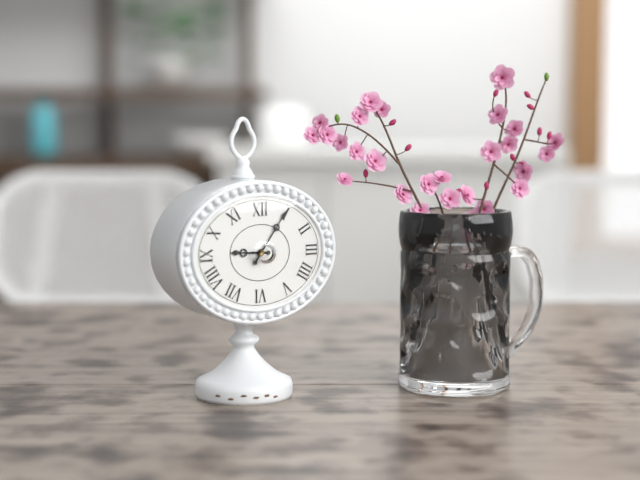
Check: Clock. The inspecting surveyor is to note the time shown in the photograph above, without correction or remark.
9:06
